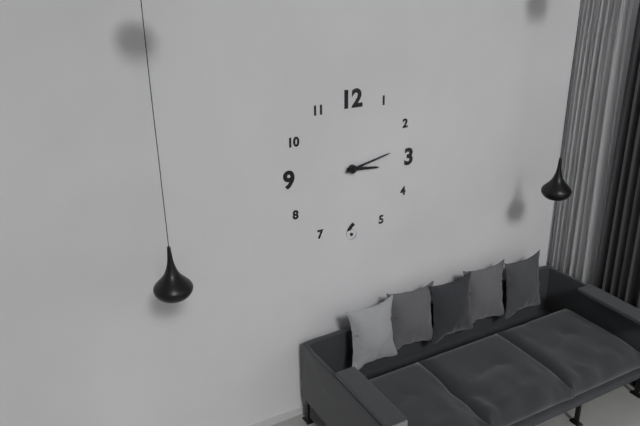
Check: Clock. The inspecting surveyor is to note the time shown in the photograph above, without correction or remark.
3:13
